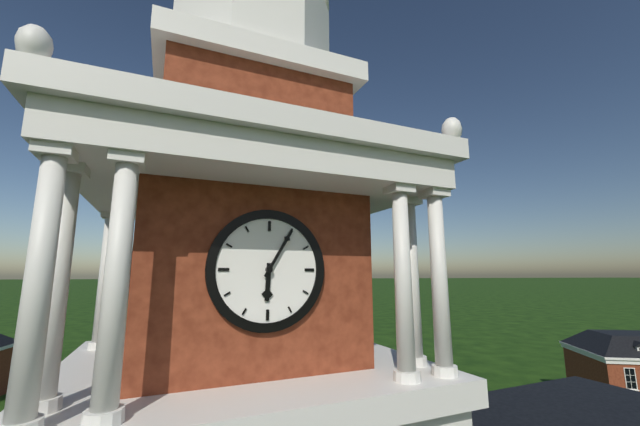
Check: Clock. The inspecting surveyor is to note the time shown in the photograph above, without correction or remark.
6:05
